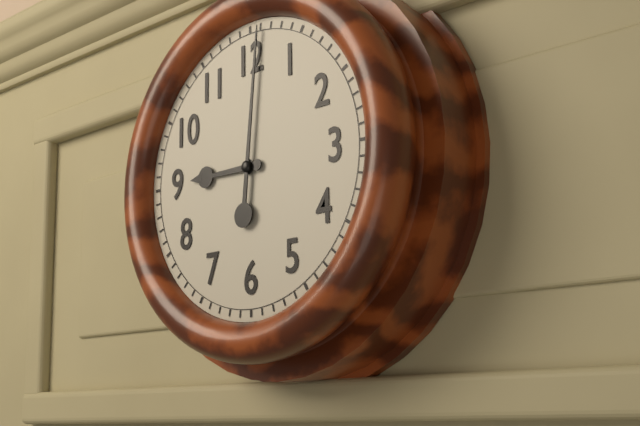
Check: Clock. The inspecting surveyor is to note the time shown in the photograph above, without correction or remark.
9:01
